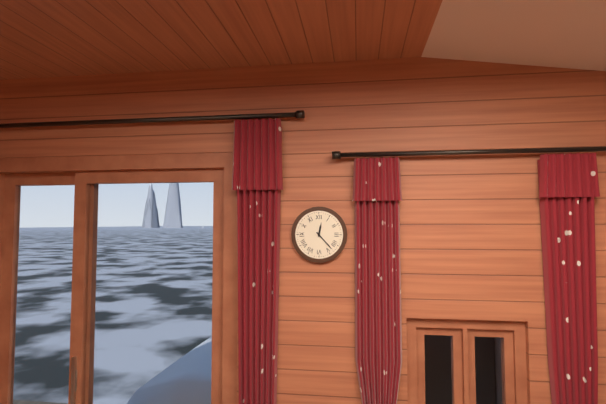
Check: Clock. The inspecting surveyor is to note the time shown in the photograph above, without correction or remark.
12:23
